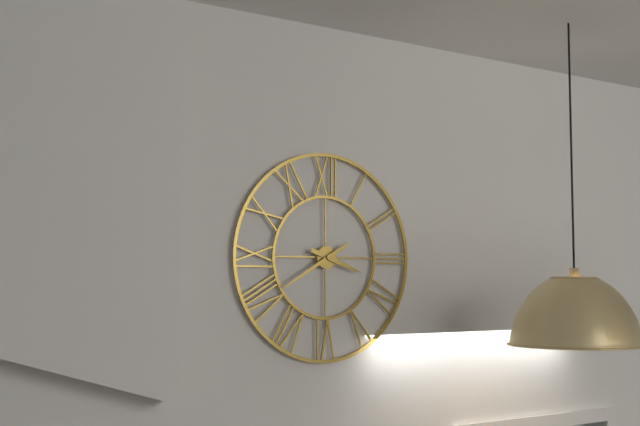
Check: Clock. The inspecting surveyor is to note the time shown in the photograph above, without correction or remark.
3:40
